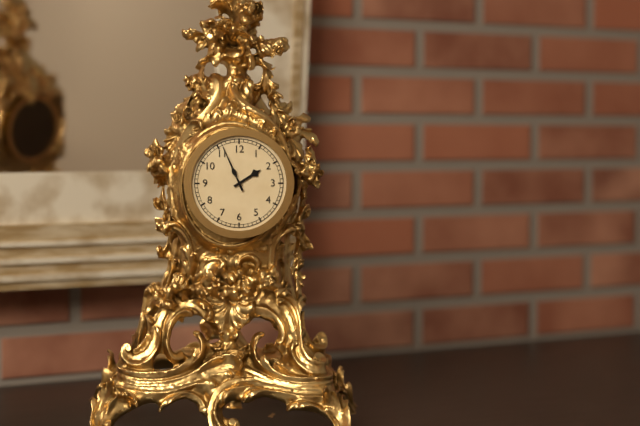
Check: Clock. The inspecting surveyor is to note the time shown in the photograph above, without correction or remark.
1:56
